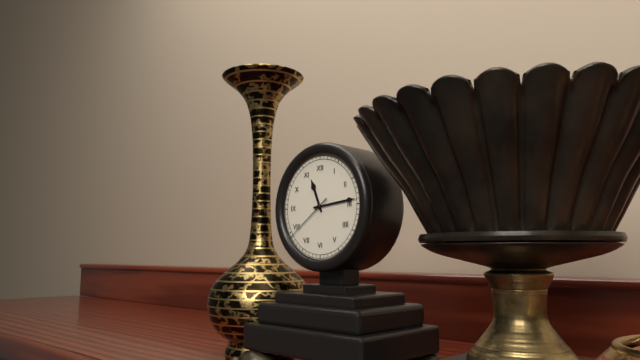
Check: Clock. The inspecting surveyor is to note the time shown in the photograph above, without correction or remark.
11:14:39
